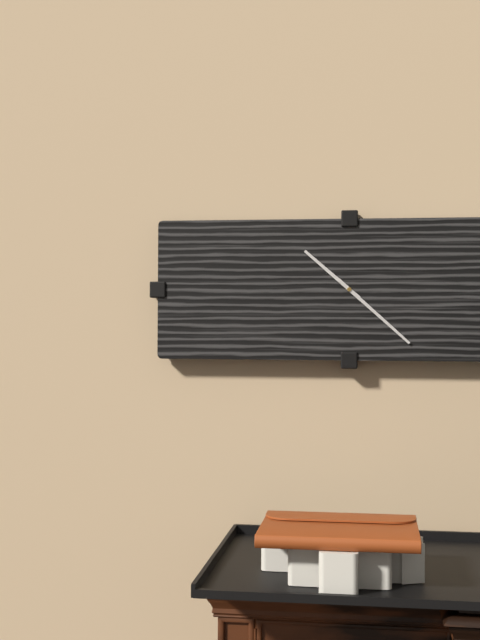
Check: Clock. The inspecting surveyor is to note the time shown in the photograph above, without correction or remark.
10:22
